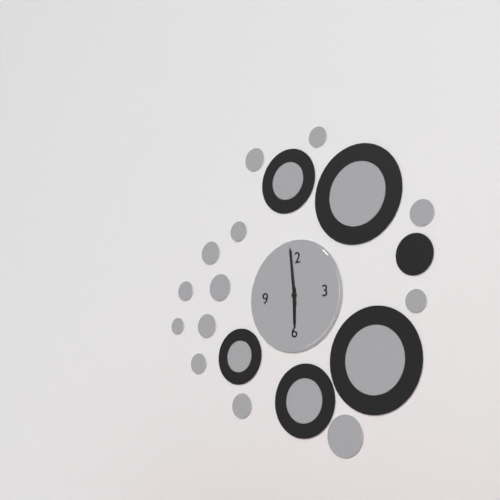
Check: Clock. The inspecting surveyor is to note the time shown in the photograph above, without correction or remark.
5:59
